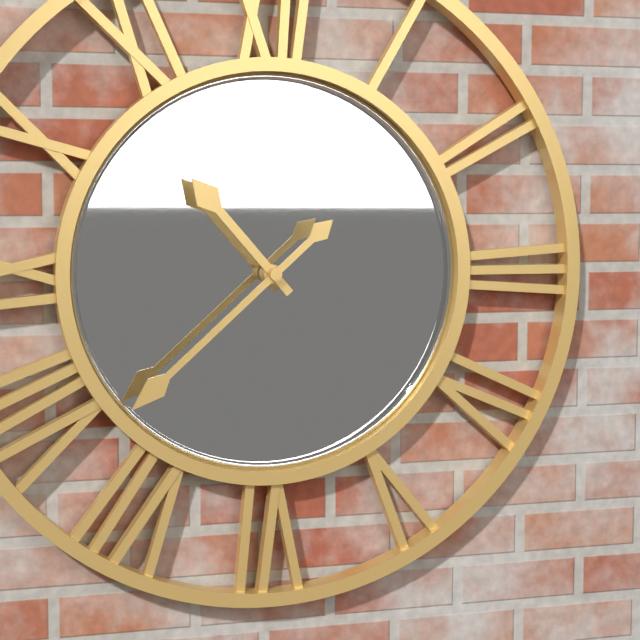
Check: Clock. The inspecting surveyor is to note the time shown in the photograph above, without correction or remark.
10:38
